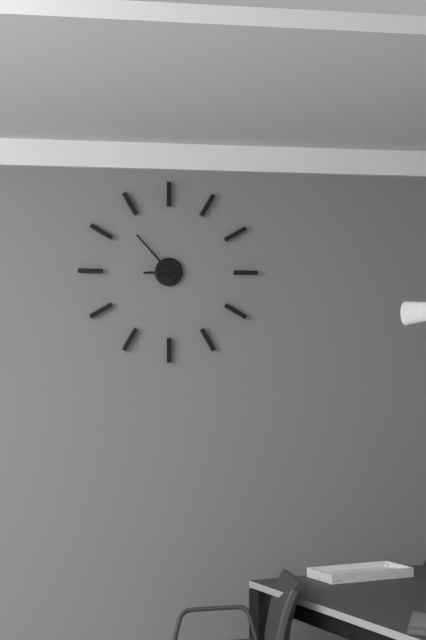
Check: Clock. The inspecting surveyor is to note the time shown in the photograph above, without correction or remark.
8:53
